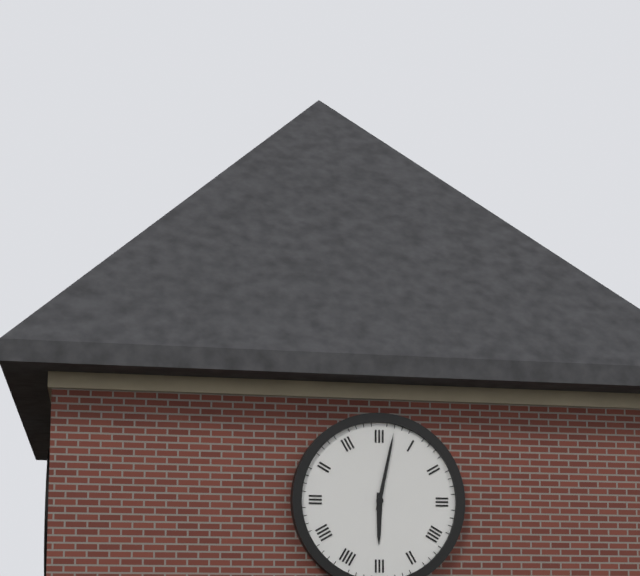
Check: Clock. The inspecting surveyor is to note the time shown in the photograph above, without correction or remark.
6:02
